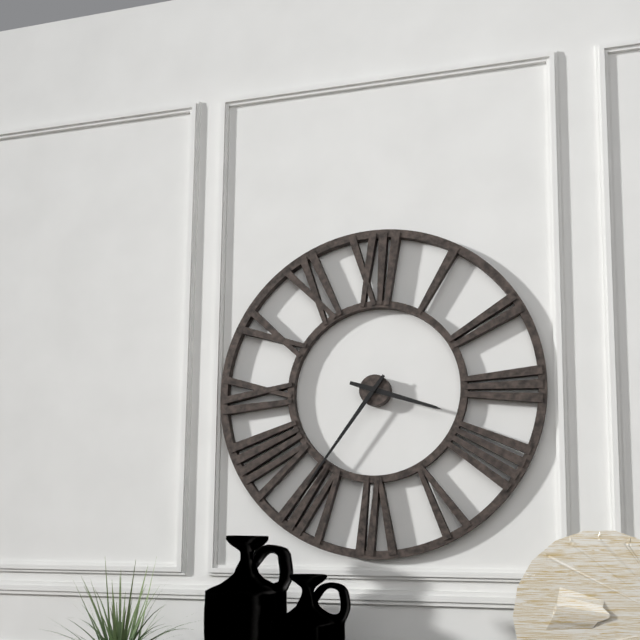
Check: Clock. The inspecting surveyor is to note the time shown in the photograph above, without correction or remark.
3:36
